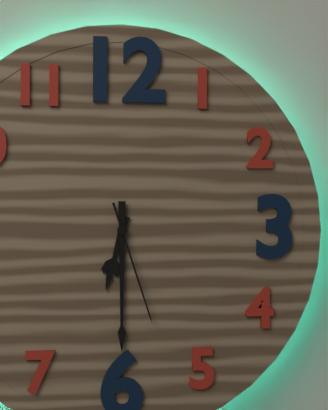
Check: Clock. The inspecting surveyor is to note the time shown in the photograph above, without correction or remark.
6:30:27
